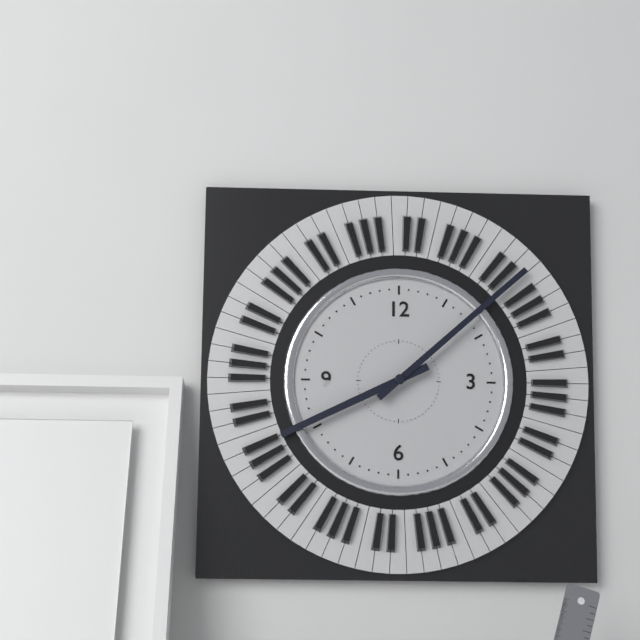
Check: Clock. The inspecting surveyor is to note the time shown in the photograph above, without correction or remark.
8:08
